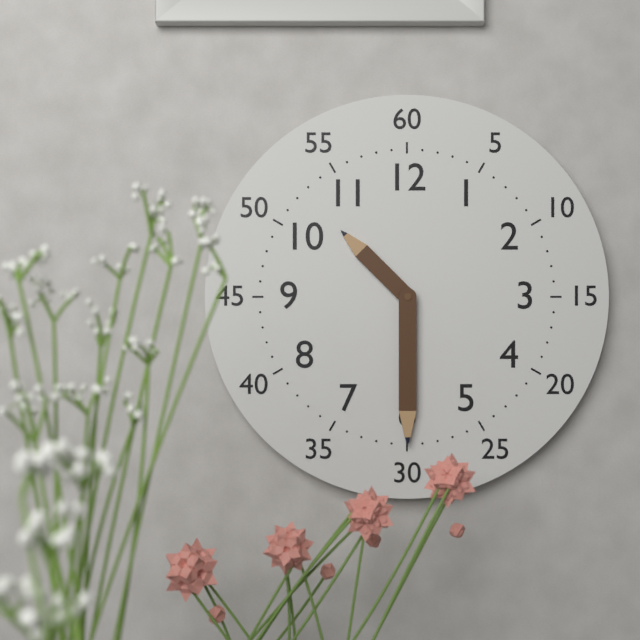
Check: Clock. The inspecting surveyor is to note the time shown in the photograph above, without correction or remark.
10:30
